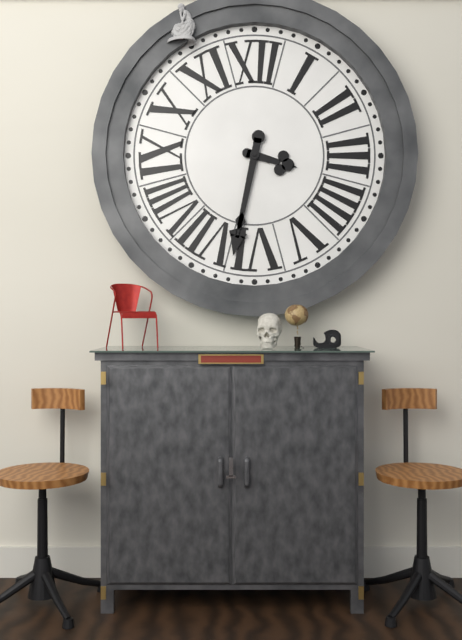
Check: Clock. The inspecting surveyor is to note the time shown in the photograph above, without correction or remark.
3:32
